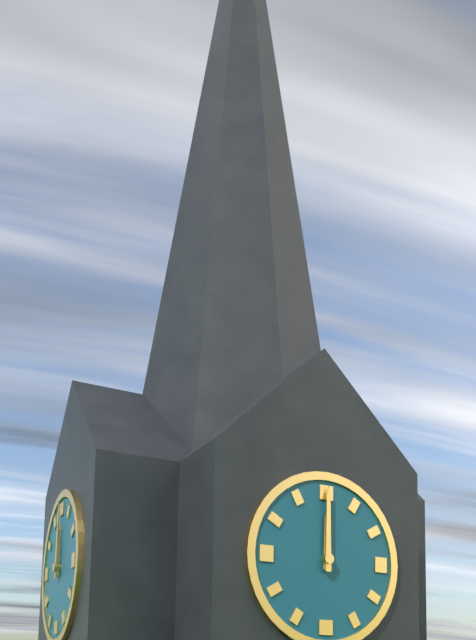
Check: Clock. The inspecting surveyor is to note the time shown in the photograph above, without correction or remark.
12:00
